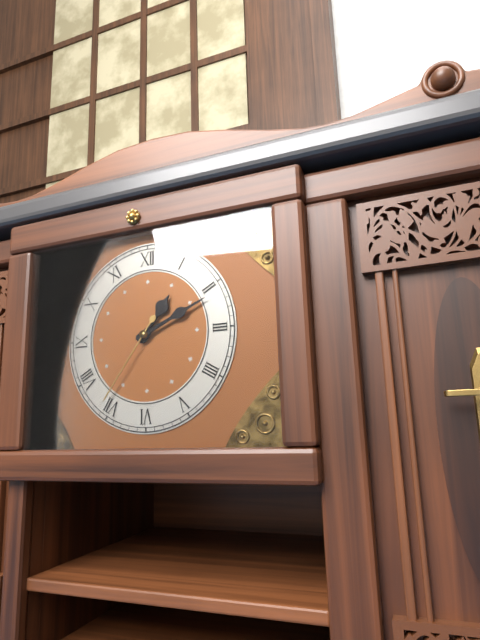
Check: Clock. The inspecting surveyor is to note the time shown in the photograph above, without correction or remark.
1:11:36
